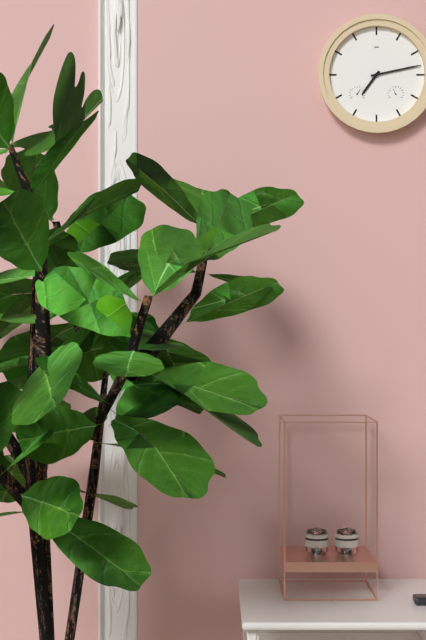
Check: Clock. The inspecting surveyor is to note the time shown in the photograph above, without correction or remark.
7:13
